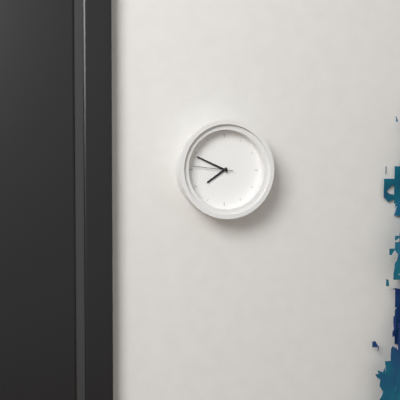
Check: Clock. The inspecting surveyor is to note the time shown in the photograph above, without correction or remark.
7:49
